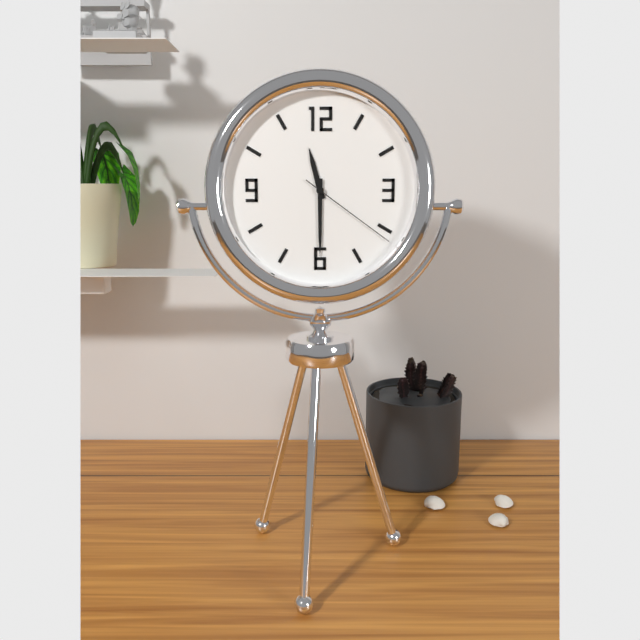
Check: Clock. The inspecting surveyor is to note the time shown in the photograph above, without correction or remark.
11:30:21
